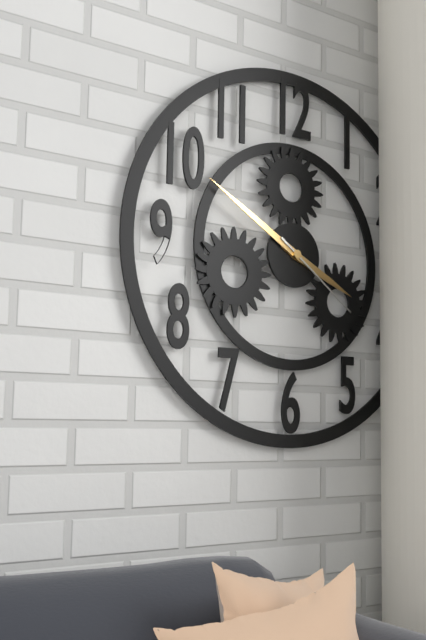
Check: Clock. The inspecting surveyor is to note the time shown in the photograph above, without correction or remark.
3:50:21
